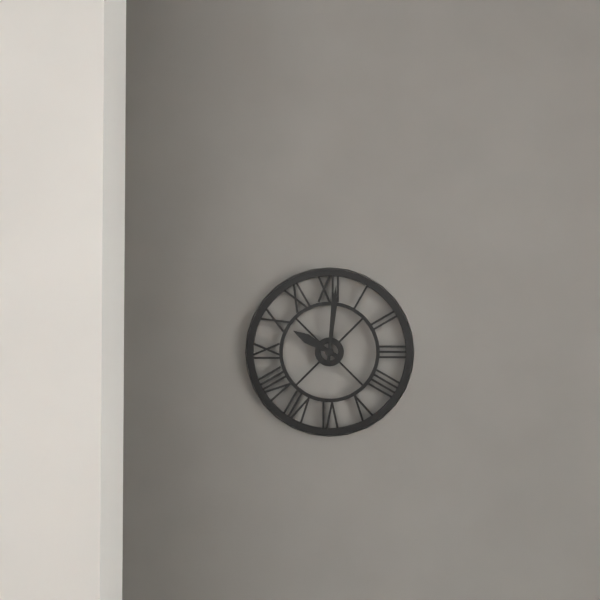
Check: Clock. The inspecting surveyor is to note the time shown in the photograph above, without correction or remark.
10:01
